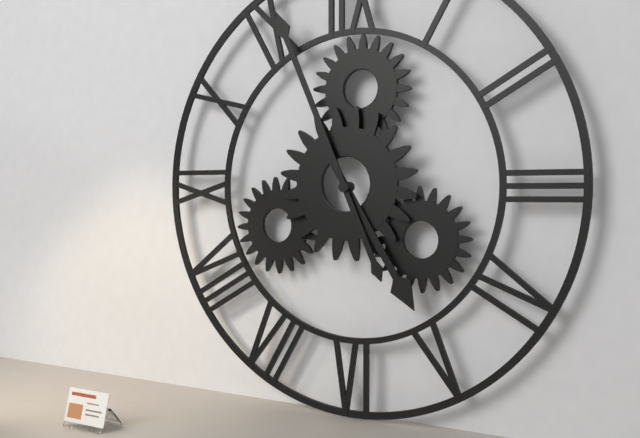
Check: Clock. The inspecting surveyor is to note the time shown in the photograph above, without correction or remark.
4:56
